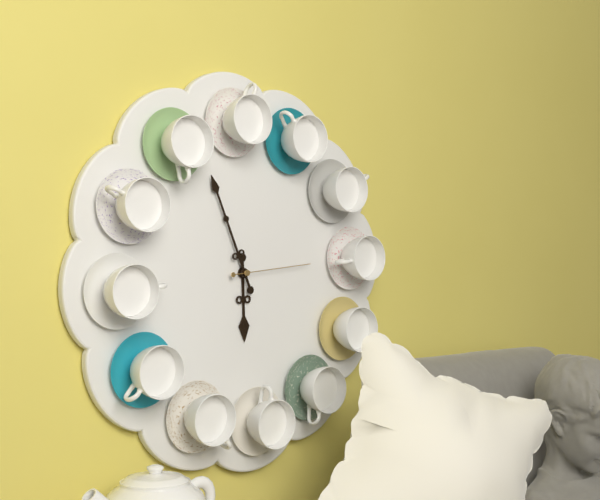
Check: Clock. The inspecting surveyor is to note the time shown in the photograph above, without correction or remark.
5:56:14
